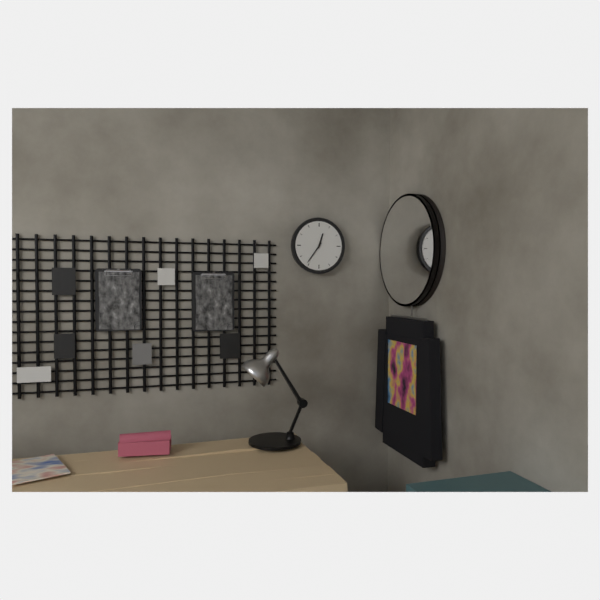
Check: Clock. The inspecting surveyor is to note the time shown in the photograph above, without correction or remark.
12:36
